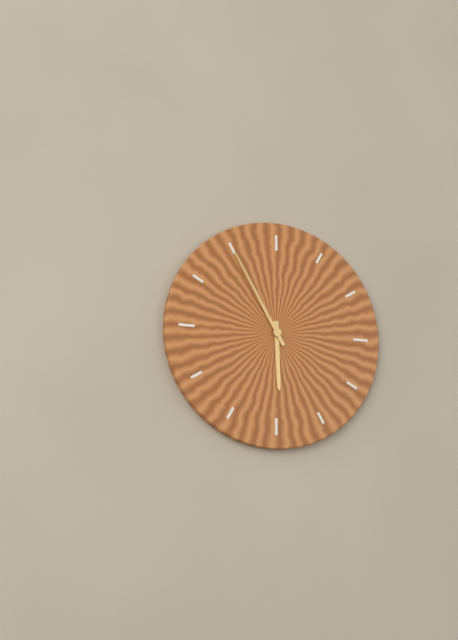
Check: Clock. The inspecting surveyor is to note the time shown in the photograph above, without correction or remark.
5:55
